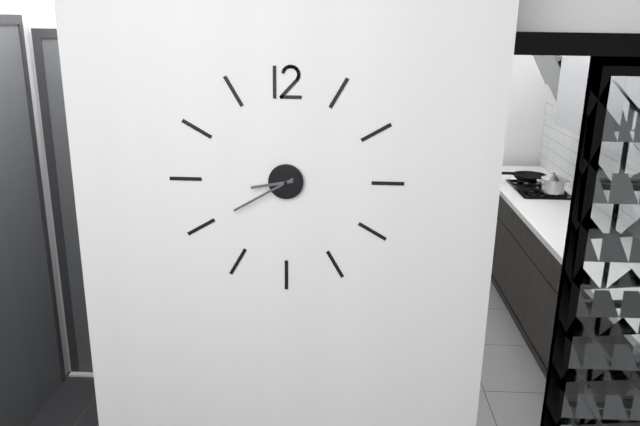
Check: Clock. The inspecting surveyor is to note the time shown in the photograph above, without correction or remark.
8:40
